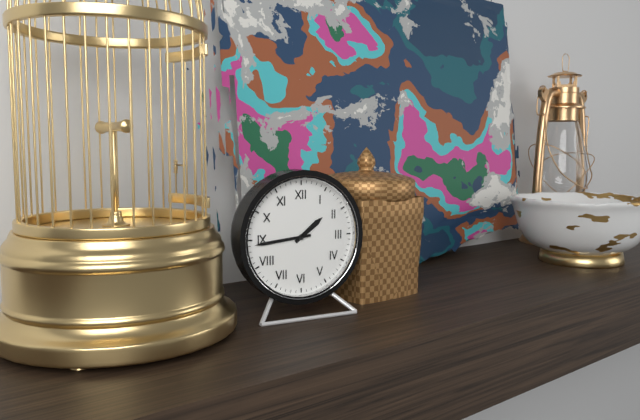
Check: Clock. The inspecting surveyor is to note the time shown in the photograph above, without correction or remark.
1:44
